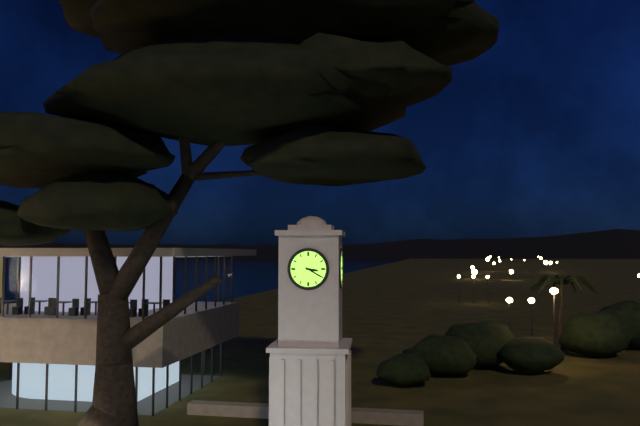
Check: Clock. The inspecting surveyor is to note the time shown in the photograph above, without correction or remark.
3:20
